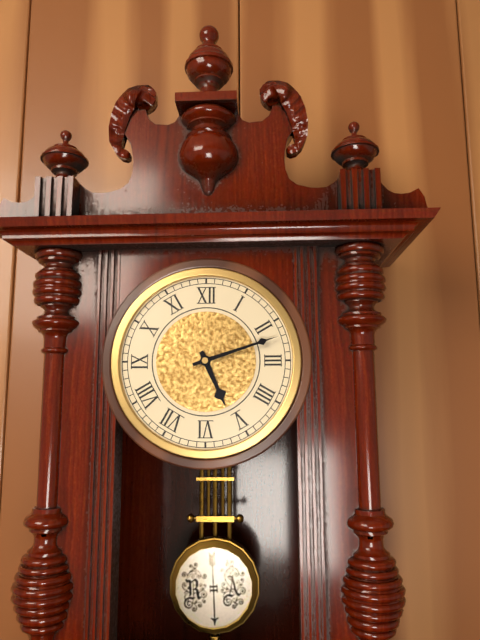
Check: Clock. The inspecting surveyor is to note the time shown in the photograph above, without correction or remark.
5:12
